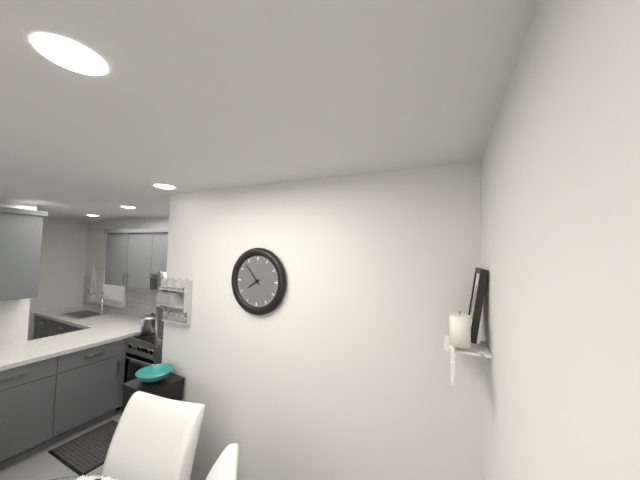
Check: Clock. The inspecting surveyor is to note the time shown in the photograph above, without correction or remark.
7:53
